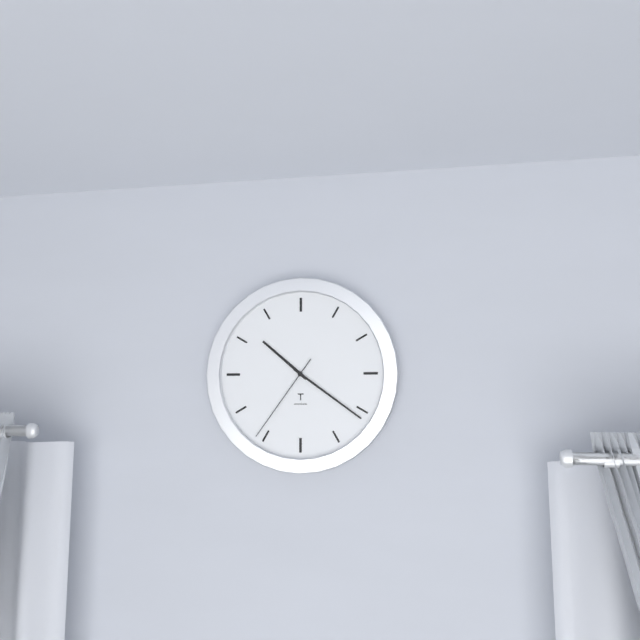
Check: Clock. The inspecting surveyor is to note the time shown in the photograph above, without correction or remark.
10:21:36
